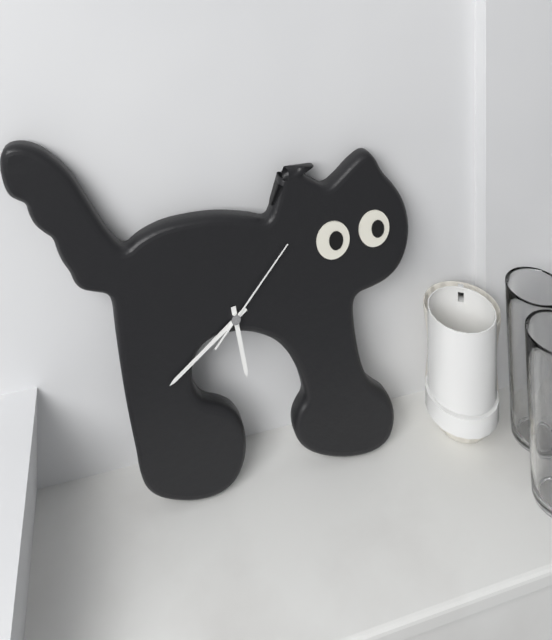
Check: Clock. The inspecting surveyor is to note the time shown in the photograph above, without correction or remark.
5:39:07
